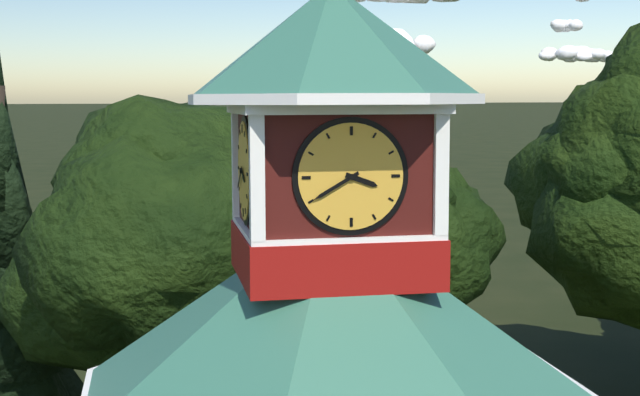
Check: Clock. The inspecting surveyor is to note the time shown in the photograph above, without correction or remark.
3:40
